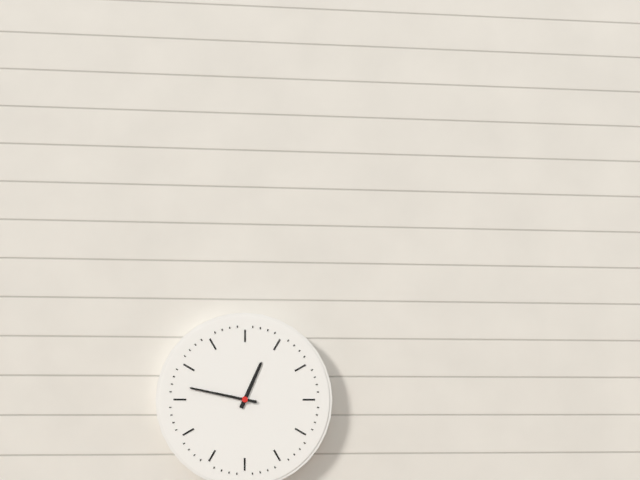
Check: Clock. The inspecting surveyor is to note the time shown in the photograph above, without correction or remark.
12:47
